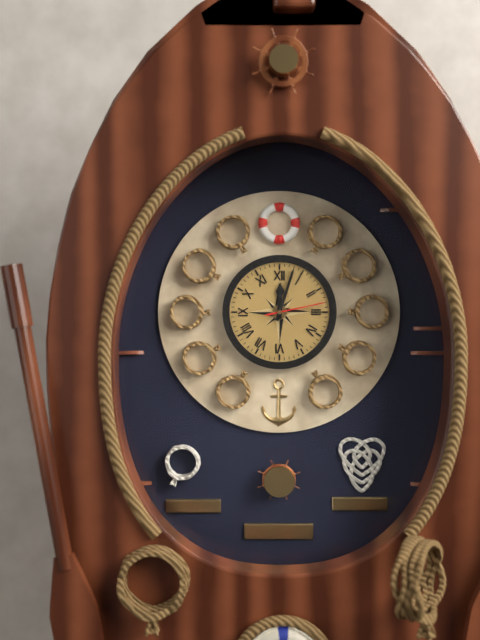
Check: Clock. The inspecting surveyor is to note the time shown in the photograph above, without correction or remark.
12:03:13
